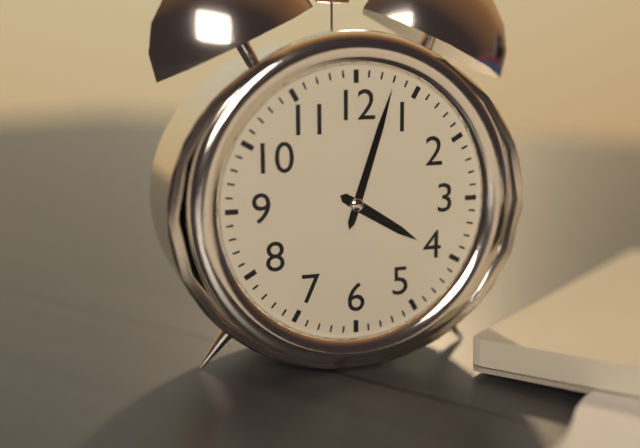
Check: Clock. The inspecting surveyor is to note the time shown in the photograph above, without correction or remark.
4:03
